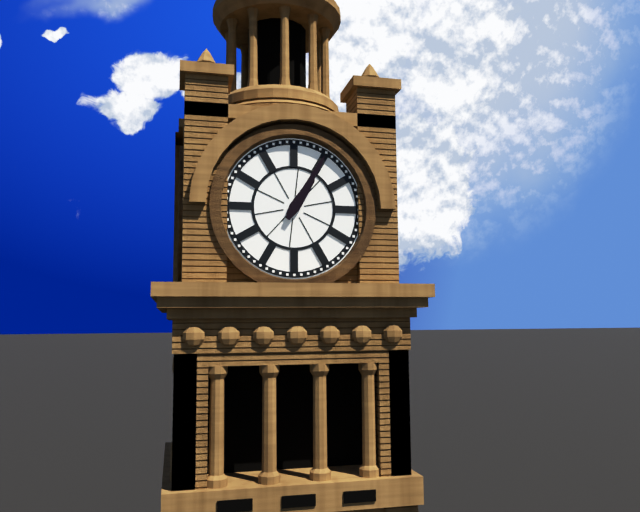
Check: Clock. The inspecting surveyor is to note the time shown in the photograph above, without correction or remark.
1:05
